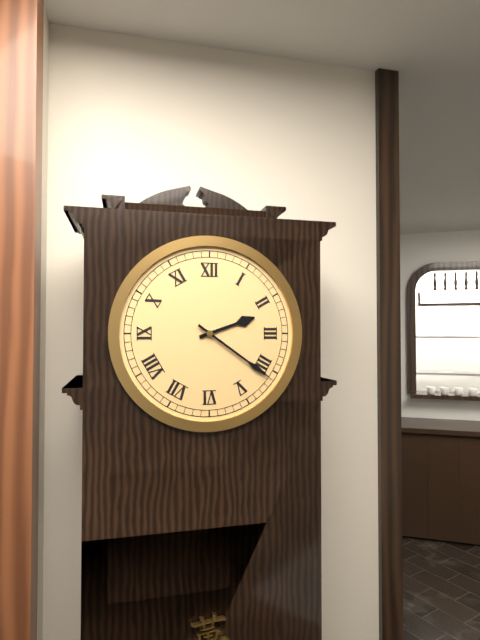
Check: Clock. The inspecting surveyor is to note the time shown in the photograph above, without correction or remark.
2:21
